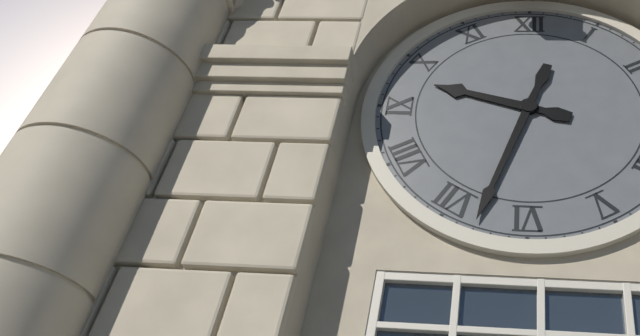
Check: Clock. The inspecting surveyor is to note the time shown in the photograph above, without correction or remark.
9:33
